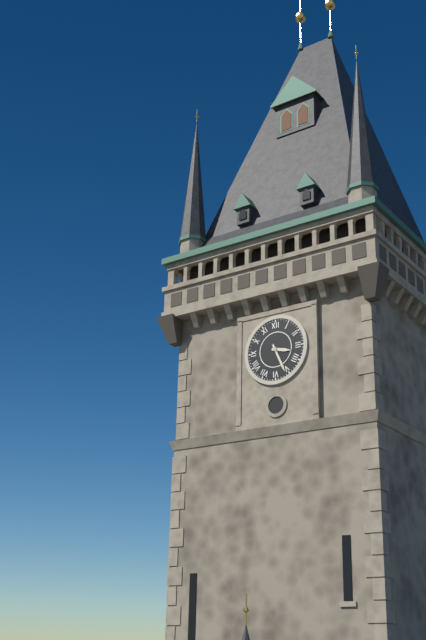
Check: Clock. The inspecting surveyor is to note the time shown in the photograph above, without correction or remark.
3:26
